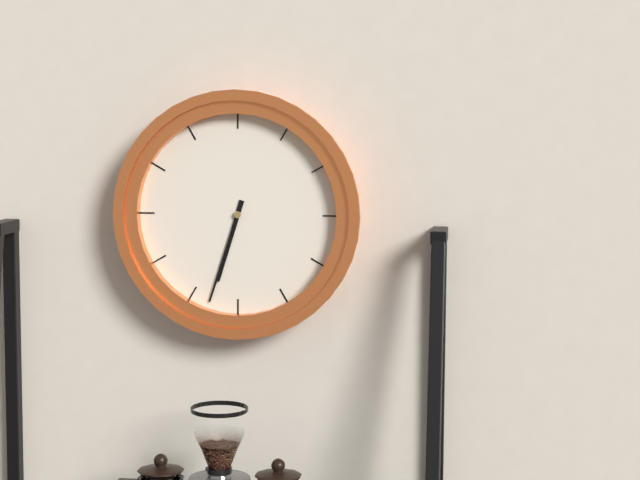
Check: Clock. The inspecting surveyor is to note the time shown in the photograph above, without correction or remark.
6:33
